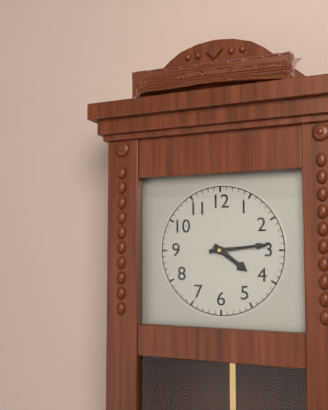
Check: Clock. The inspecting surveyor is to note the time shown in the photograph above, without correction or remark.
4:14
